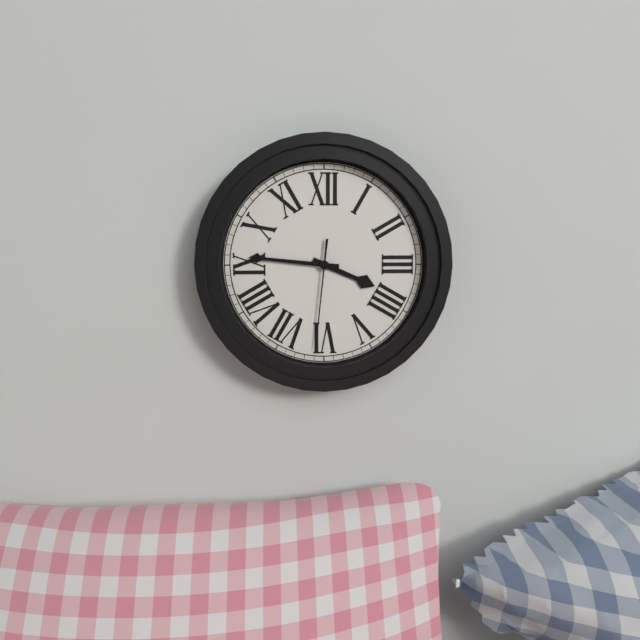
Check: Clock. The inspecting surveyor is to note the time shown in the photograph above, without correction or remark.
3:46:31
